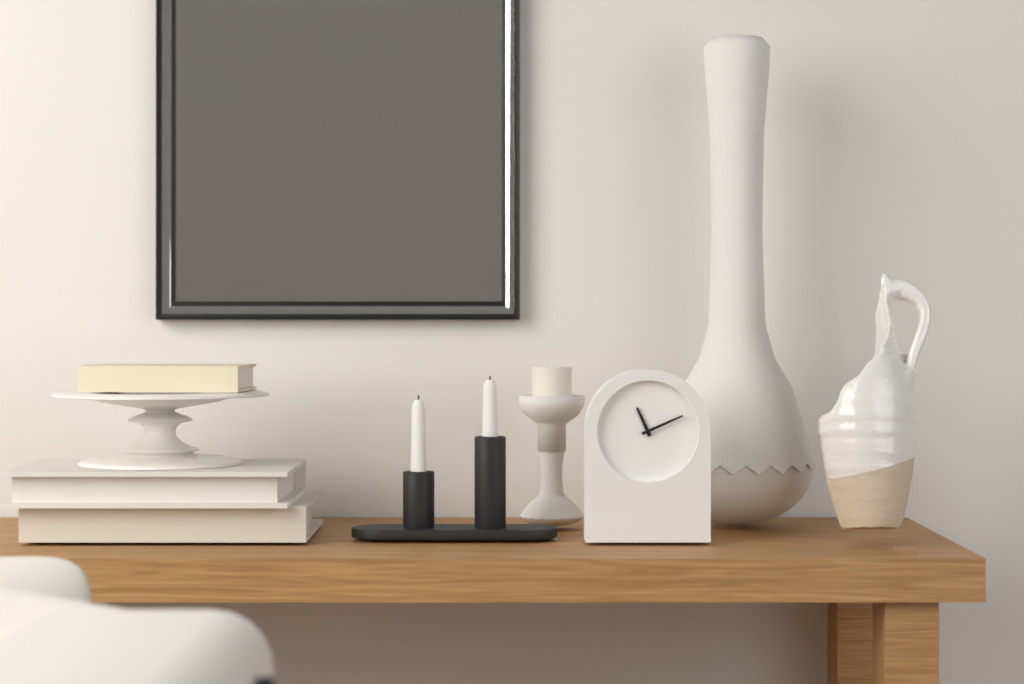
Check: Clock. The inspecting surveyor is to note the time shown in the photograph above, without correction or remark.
11:11
